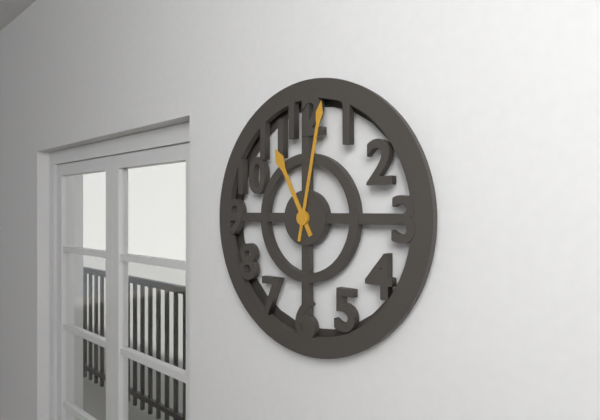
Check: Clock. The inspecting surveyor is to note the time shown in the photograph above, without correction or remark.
11:02
